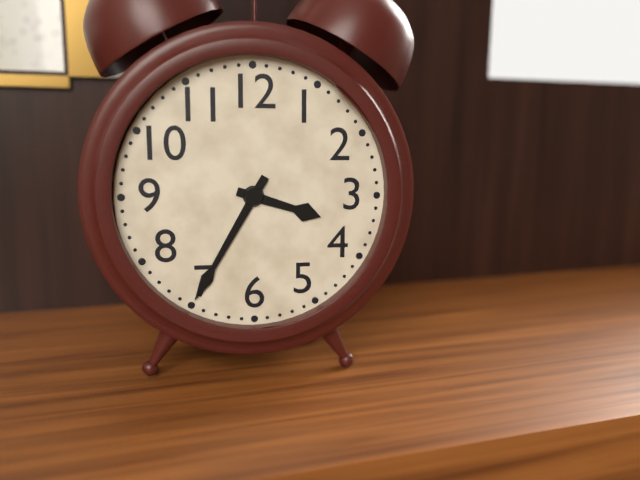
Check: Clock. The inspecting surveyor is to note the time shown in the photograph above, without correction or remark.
3:35
